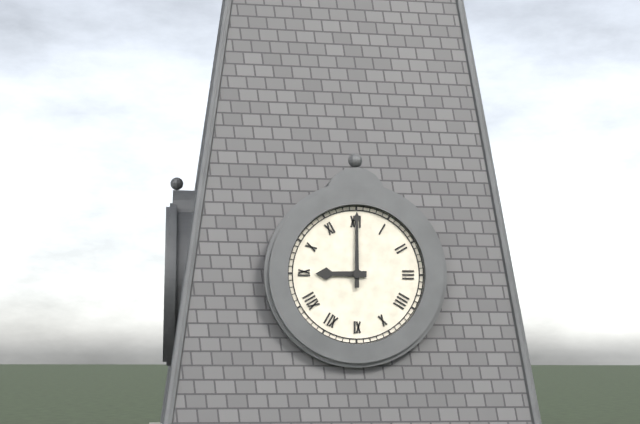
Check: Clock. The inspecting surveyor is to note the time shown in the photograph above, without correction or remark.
9:00
